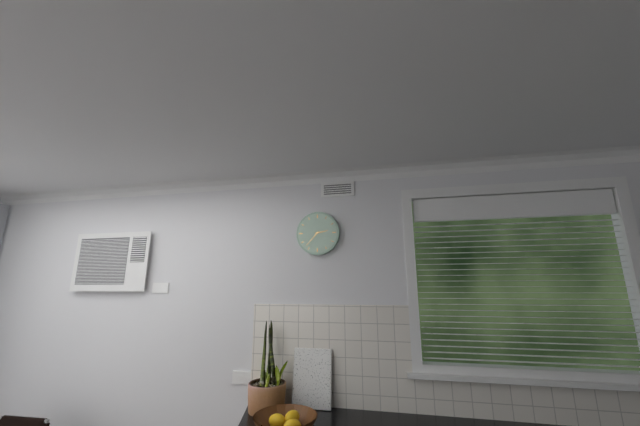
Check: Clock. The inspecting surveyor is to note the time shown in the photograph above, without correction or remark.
2:37
